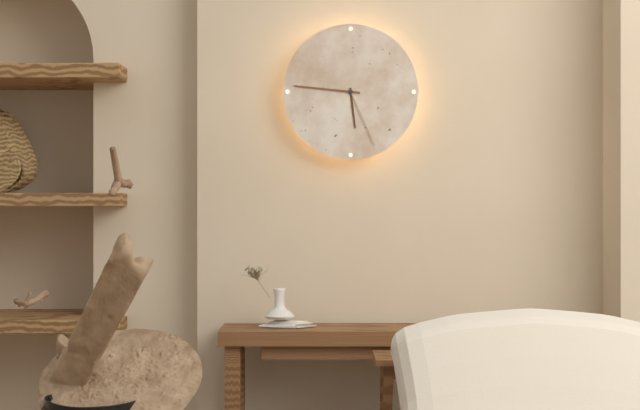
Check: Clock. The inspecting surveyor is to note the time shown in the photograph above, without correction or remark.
5:46:26
